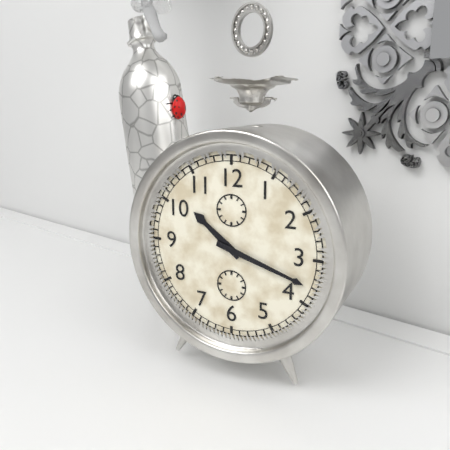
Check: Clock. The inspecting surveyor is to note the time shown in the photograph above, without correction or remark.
10:18
